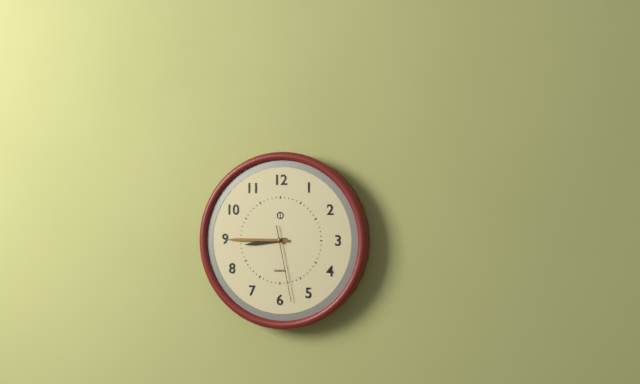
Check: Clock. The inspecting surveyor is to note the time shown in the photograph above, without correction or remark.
8:45:28
